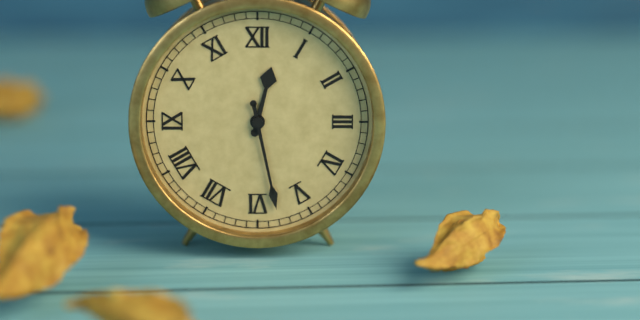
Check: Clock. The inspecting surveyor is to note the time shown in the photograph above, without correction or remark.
12:28
